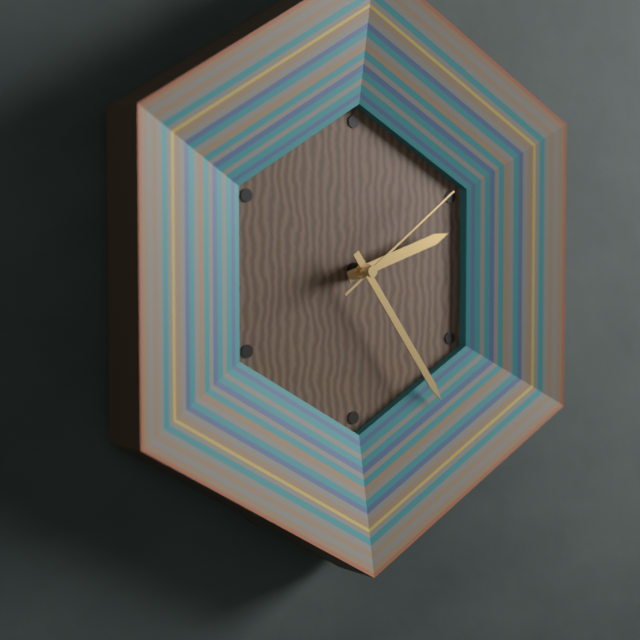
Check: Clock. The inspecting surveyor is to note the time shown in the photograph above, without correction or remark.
2:24:09
